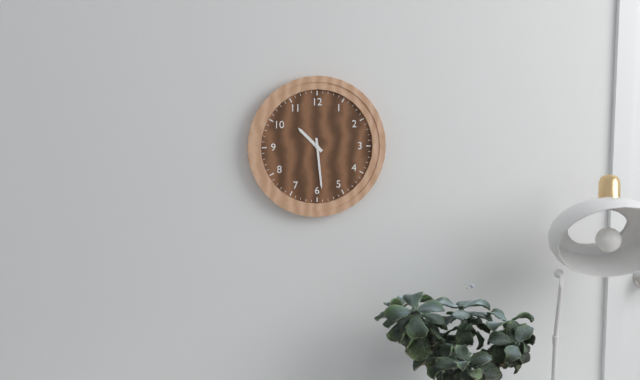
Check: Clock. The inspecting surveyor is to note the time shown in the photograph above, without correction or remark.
10:29
